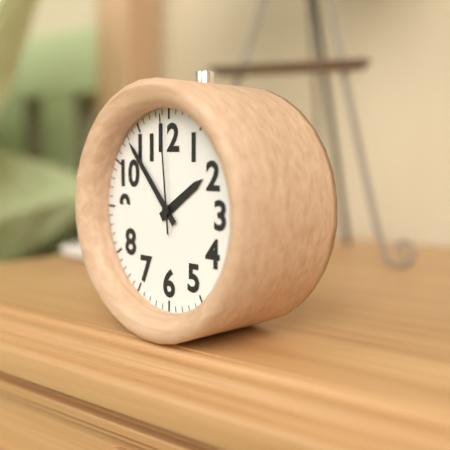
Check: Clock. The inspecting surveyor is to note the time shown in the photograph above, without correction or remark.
1:53:59
